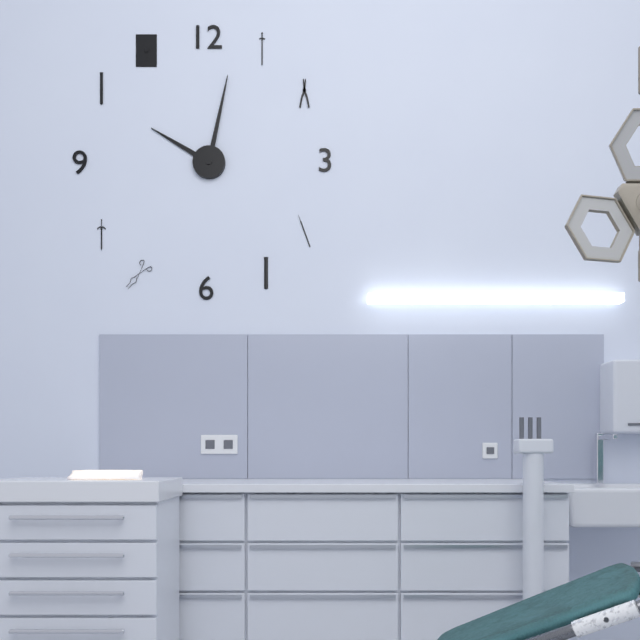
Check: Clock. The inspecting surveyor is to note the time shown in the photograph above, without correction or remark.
10:02
